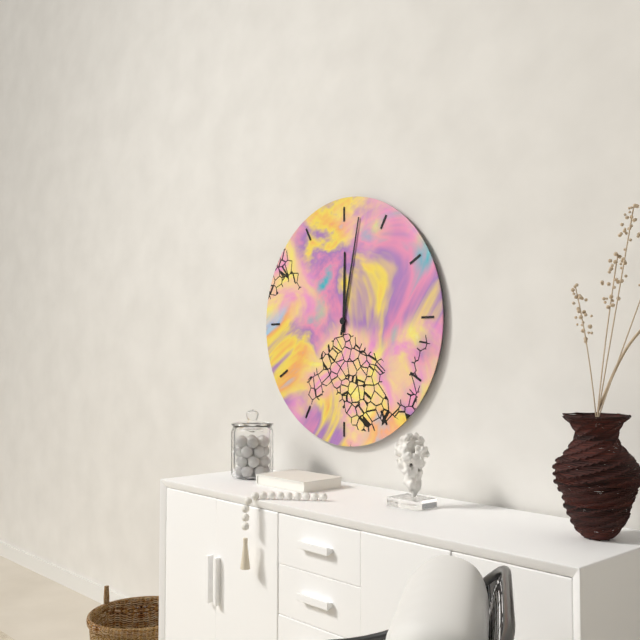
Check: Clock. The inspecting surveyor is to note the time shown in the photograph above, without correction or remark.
12:02
